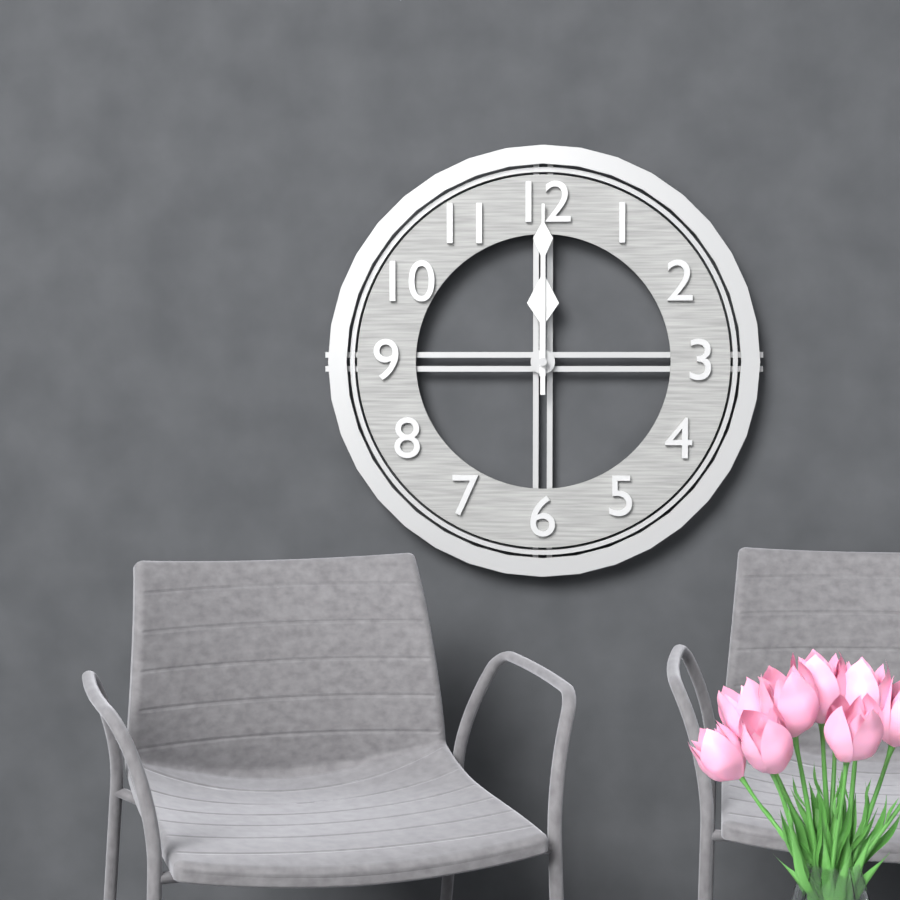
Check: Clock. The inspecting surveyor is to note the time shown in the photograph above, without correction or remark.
12:00
